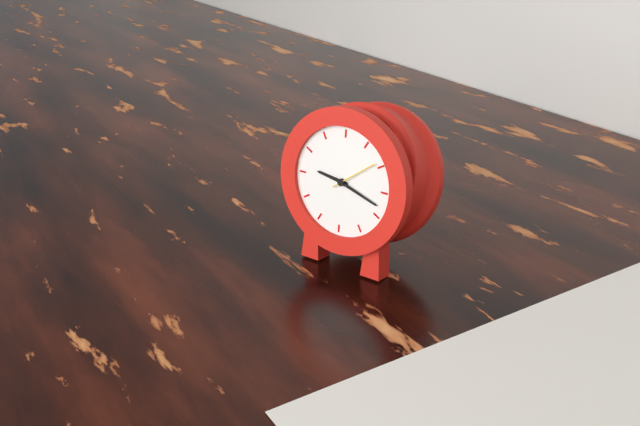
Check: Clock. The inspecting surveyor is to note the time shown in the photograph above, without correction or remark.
9:18
